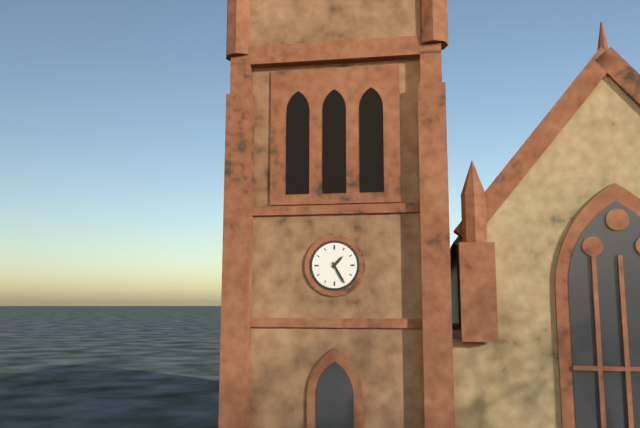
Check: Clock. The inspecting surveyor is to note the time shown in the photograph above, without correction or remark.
1:25
